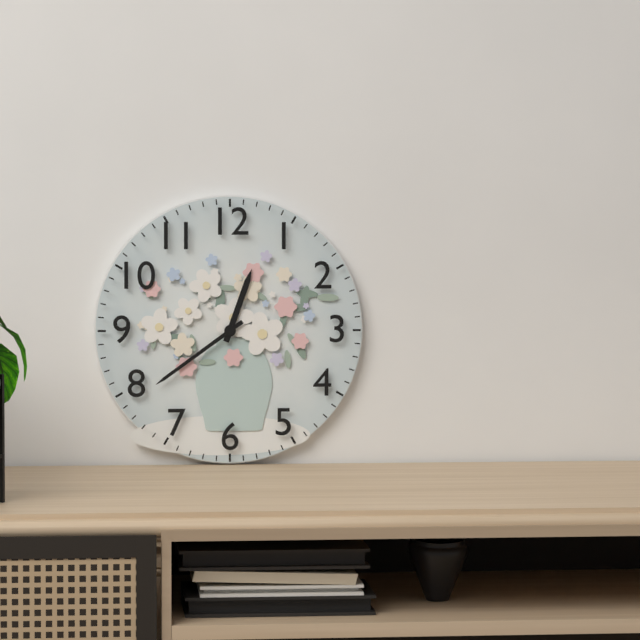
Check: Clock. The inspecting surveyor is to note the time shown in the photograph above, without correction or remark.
12:39
